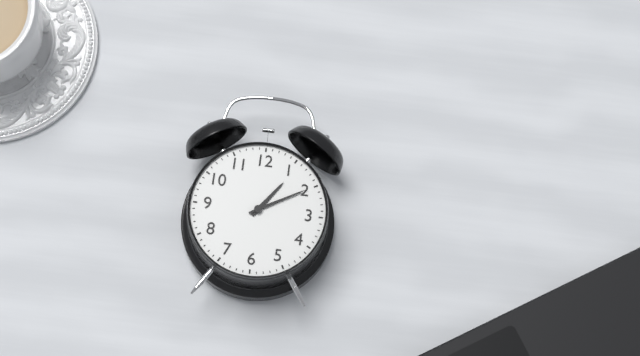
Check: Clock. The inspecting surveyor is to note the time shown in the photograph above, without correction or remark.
1:10
